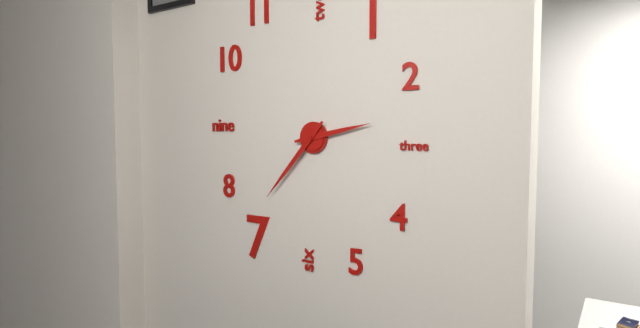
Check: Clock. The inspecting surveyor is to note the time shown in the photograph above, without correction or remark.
2:37
